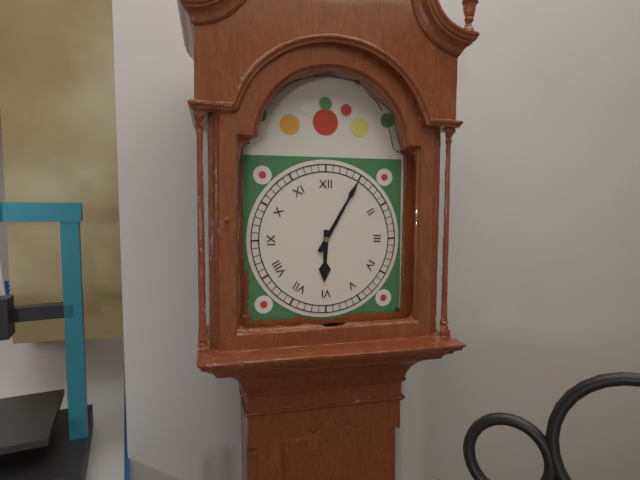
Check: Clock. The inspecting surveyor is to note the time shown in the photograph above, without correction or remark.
6:05
